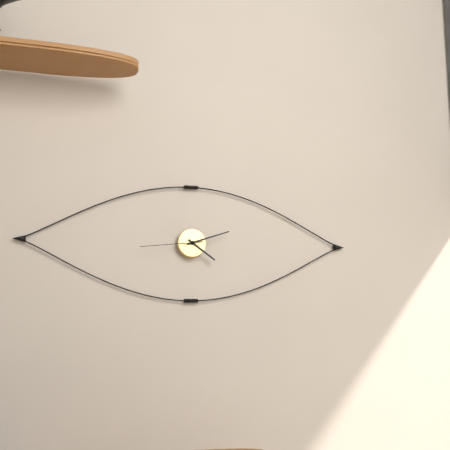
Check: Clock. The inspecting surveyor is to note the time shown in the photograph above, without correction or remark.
4:12:44
